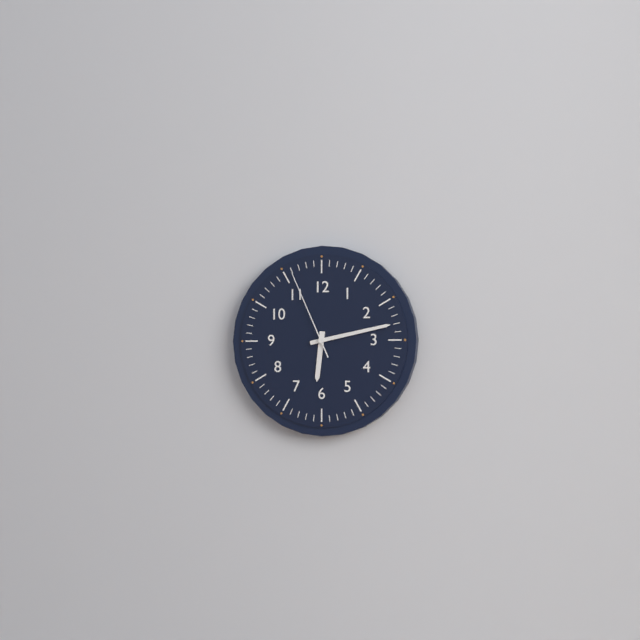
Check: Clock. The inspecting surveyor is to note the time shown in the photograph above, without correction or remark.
6:13:56
